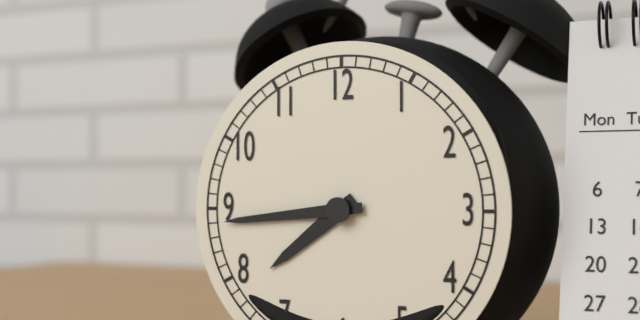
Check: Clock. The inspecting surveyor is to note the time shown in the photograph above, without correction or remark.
7:44
